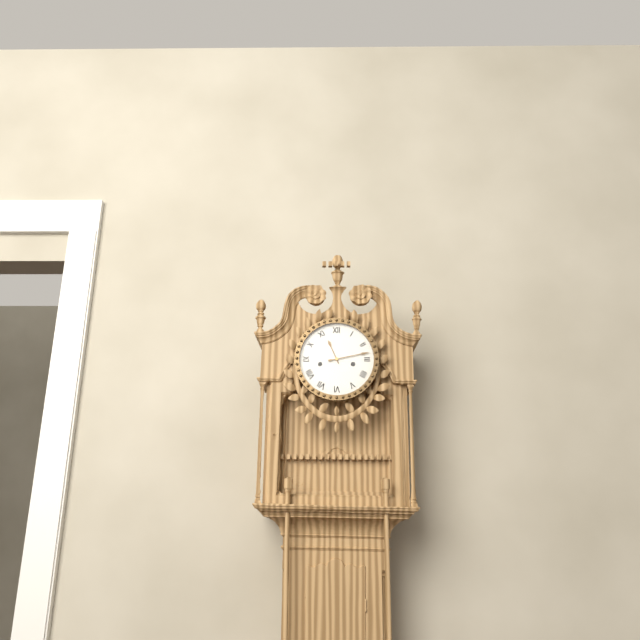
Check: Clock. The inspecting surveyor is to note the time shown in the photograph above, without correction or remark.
11:13
